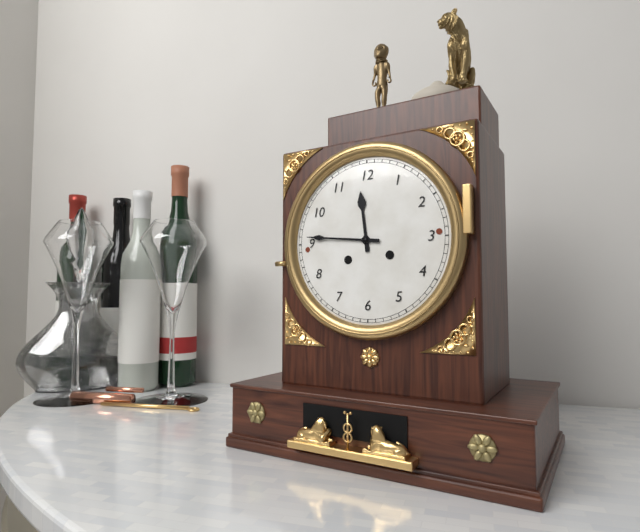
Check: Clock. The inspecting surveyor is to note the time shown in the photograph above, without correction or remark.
11:46
